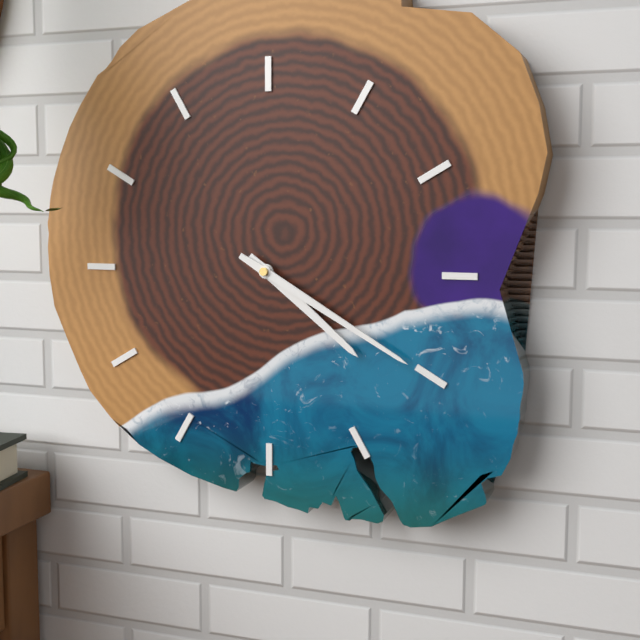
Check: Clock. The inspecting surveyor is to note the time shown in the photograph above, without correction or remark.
4:20
